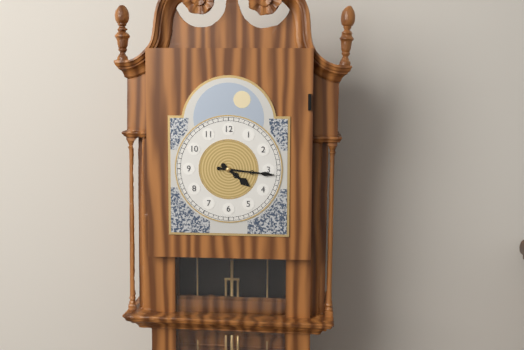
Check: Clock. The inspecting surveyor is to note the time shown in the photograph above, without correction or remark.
4:16
